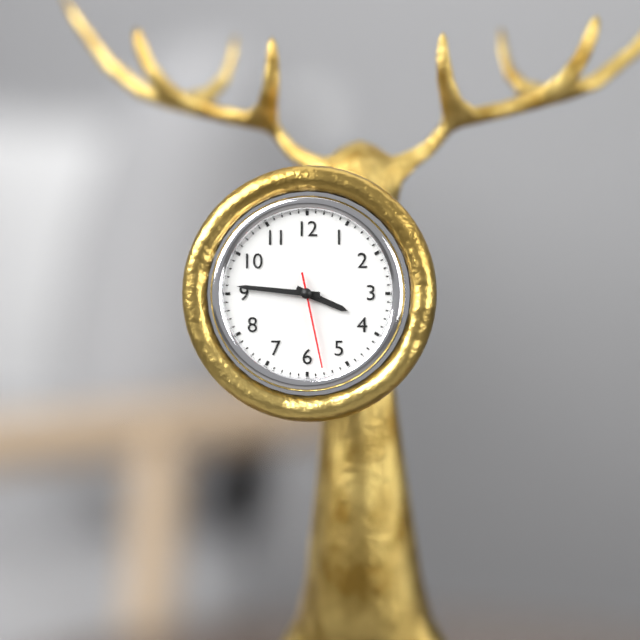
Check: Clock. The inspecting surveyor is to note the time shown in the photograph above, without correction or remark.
3:46:28
